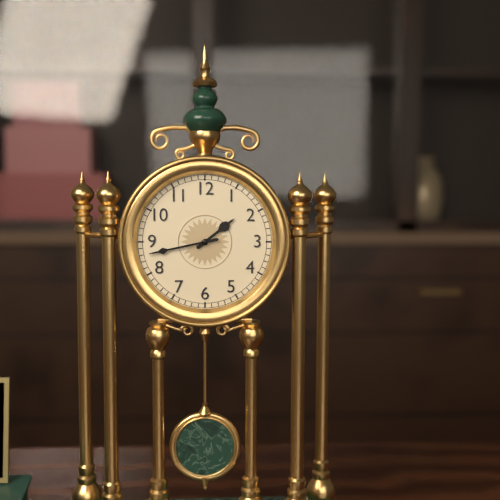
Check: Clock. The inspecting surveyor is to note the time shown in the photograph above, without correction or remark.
1:43
